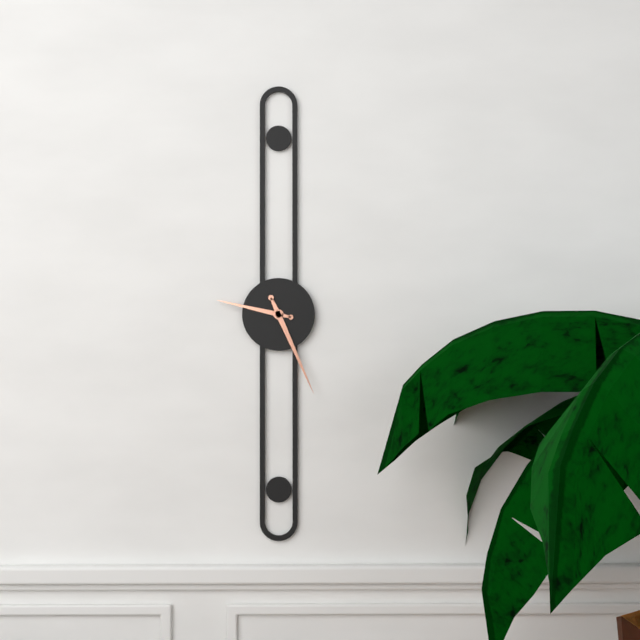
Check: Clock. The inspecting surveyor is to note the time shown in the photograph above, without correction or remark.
9:26
